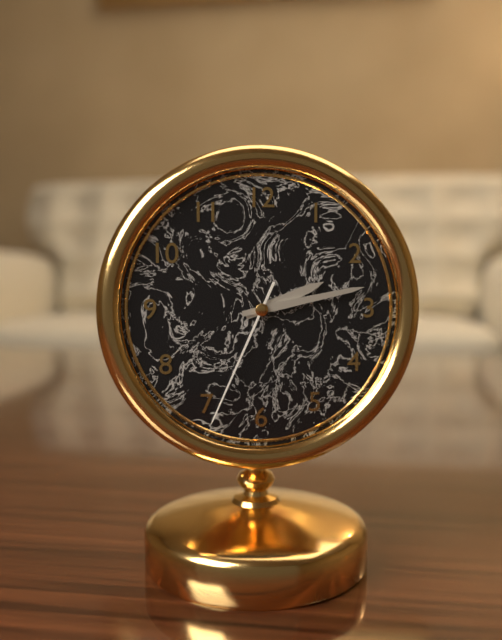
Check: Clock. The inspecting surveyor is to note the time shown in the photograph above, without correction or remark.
2:13:34
